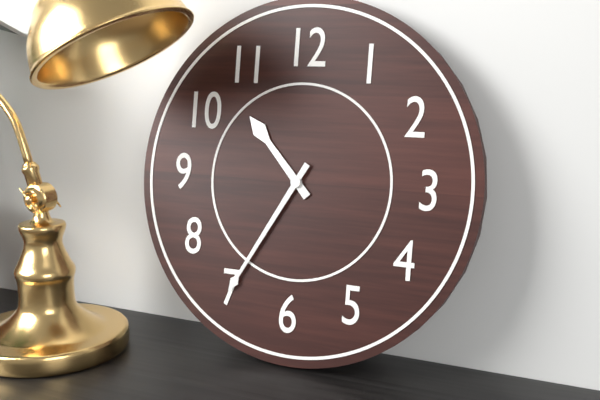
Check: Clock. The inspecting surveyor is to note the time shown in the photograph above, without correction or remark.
10:35
